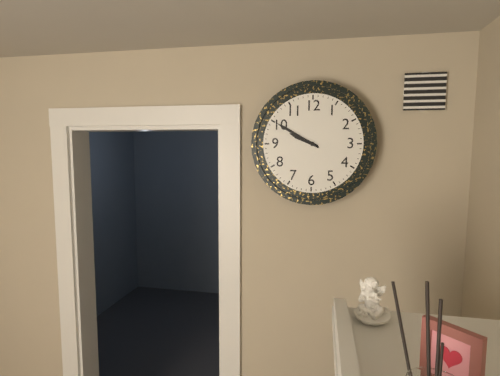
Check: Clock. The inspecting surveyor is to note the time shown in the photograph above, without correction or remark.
9:50
